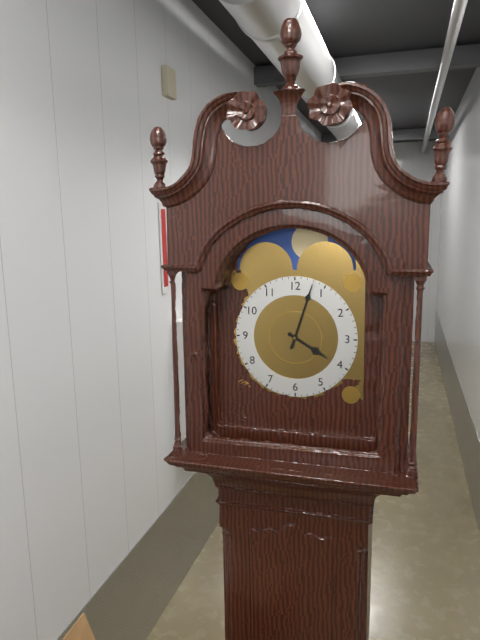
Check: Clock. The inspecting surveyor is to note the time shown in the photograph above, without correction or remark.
4:03
